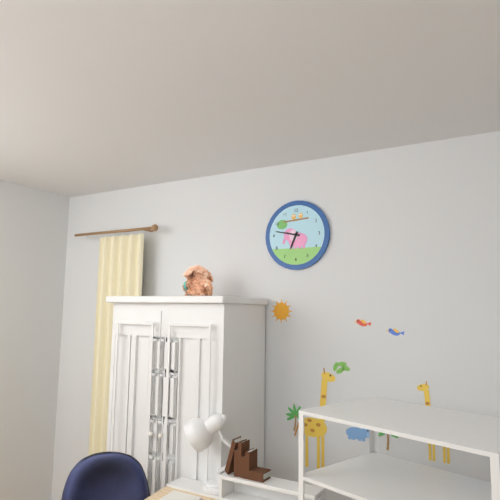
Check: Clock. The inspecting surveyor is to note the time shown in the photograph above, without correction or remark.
6:47
